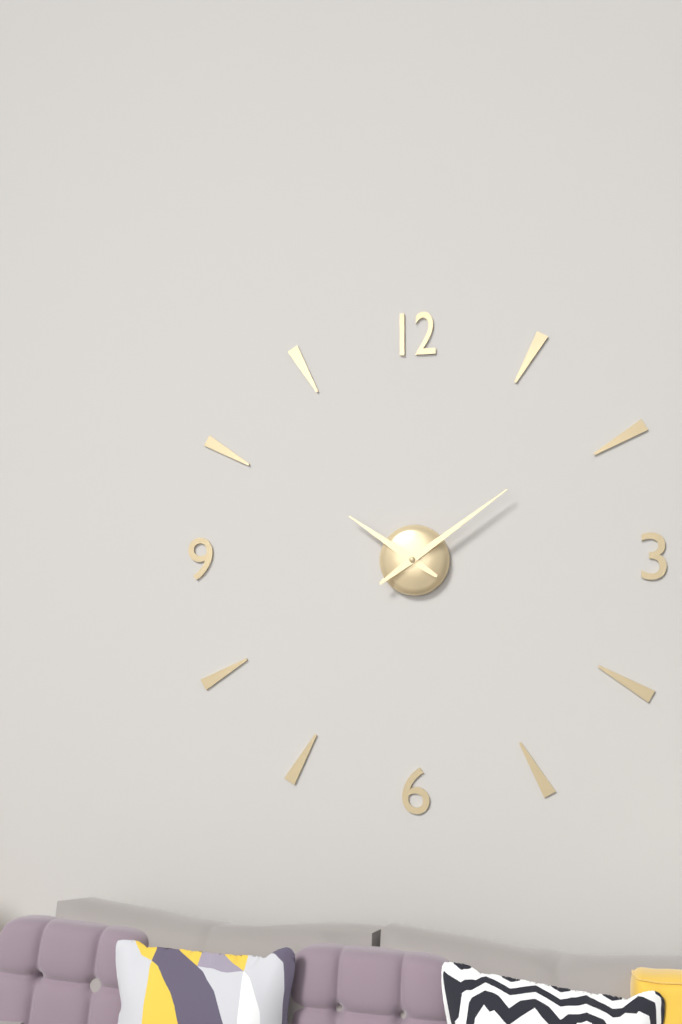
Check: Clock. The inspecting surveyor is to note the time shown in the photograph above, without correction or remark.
10:09
